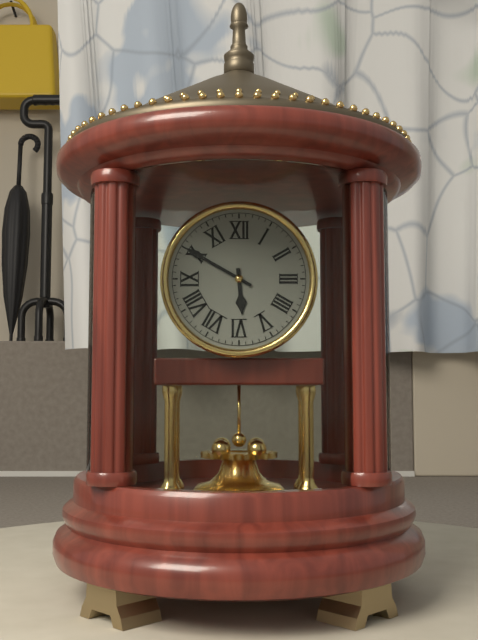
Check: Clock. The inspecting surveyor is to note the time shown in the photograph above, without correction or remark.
5:50
